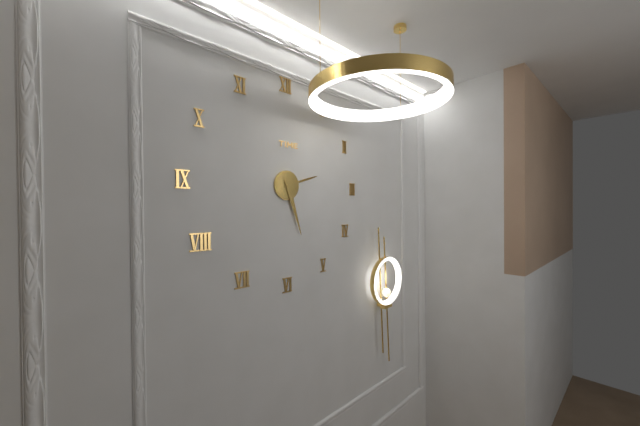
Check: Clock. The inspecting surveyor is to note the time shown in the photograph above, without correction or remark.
2:27
